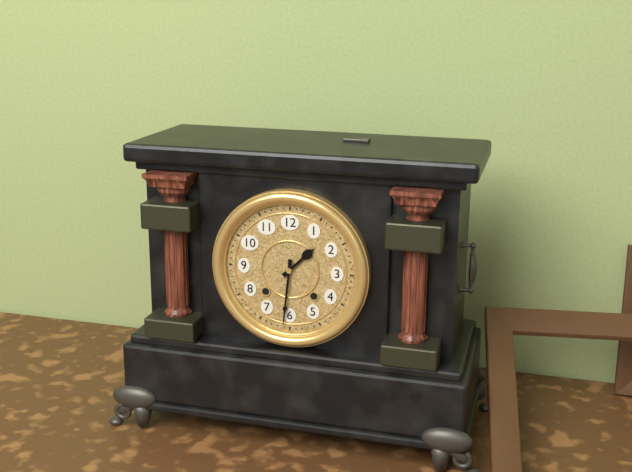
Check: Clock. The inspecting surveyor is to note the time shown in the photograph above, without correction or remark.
1:31
